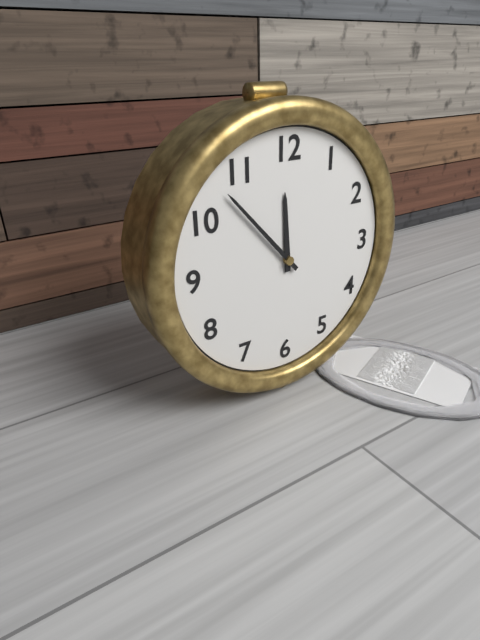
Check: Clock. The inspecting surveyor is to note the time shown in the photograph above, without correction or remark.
11:53
